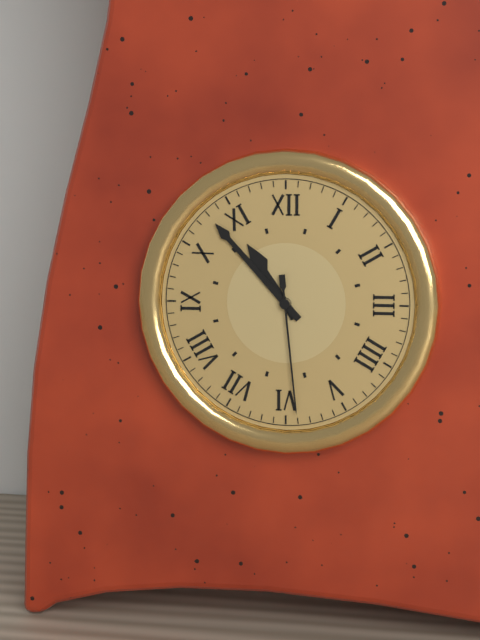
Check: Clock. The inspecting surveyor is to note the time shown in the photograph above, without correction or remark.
10:53:29
